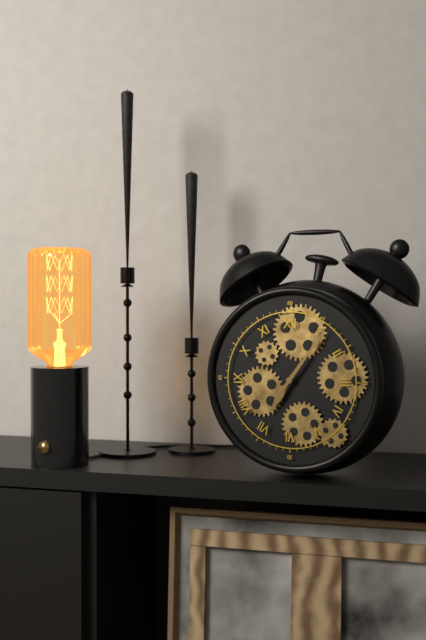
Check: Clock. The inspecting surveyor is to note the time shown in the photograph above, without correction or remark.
7:06
